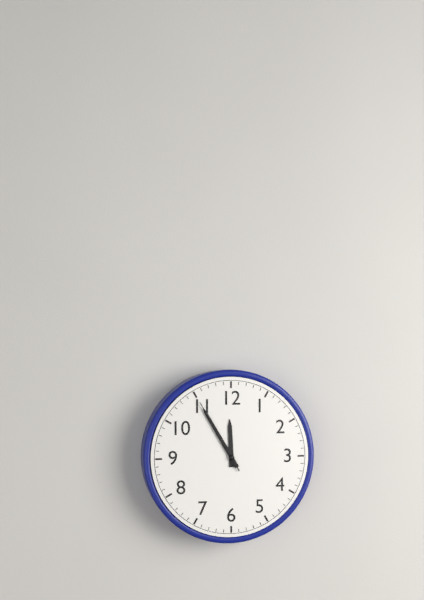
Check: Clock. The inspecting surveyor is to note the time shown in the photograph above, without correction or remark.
11:55:55
